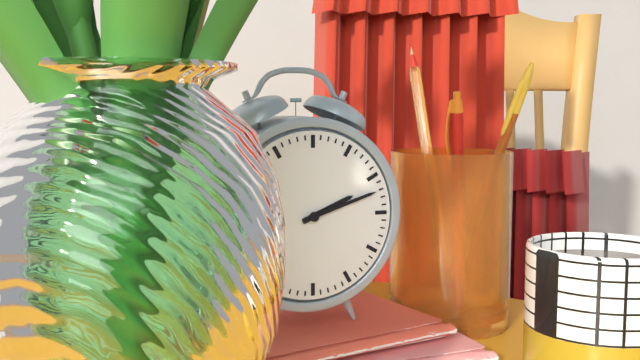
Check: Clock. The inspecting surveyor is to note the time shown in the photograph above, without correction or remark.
2:12
